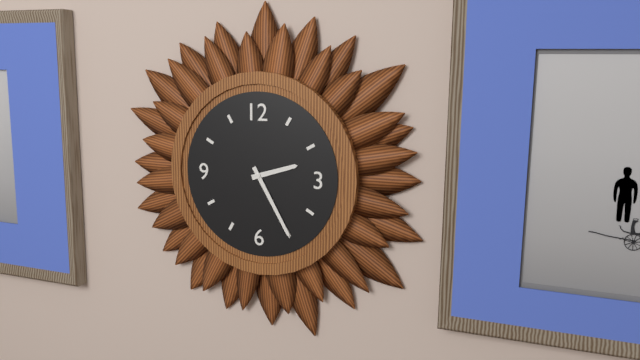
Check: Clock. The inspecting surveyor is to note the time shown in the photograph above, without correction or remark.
2:25
